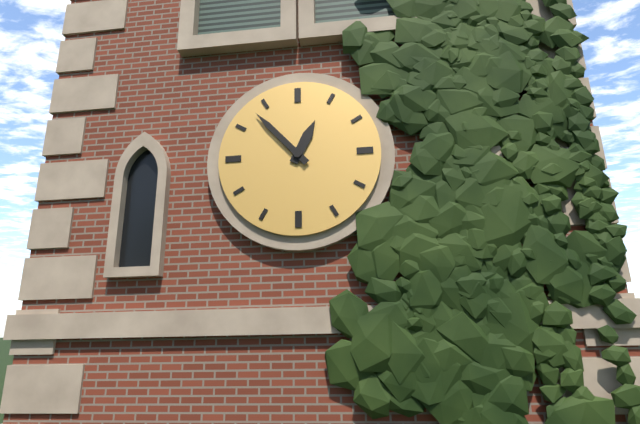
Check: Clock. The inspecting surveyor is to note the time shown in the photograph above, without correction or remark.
12:53
